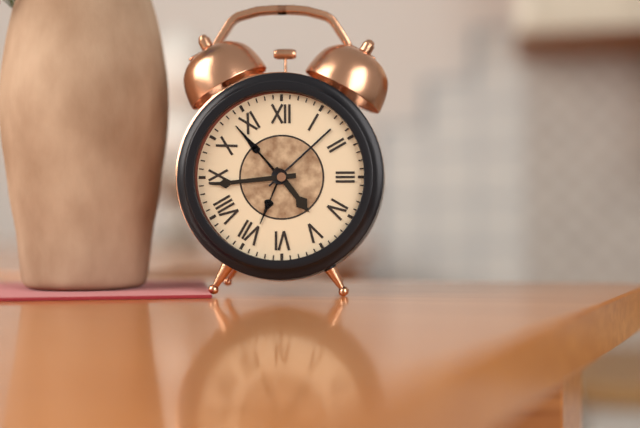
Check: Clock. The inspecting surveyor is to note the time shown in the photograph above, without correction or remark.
4:44
